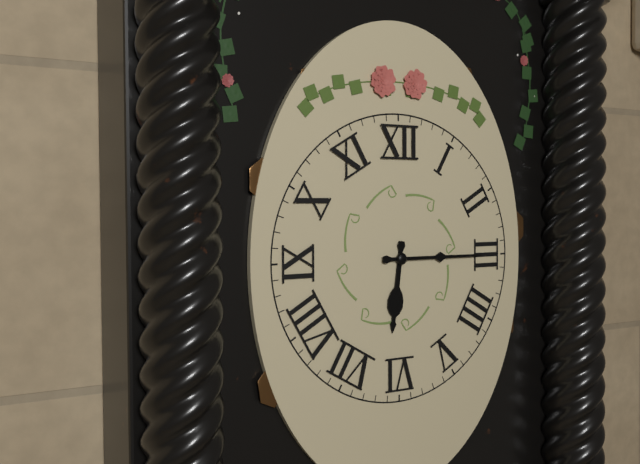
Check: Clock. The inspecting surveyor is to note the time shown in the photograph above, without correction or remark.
6:15
